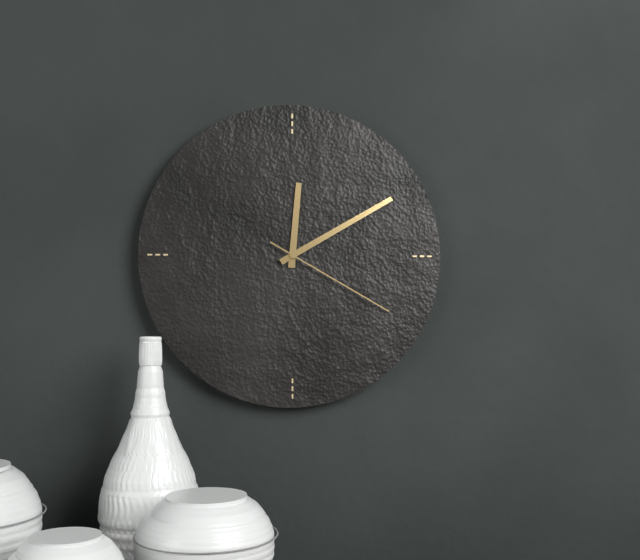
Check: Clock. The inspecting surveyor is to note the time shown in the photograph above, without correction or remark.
12:10:20
